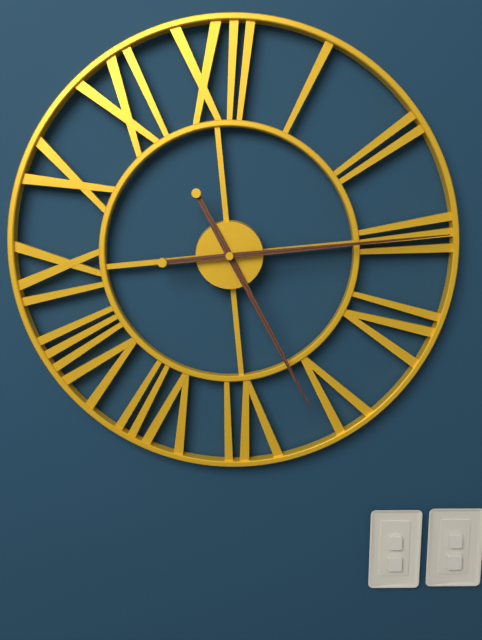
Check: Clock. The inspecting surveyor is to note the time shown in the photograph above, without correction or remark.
5:15
